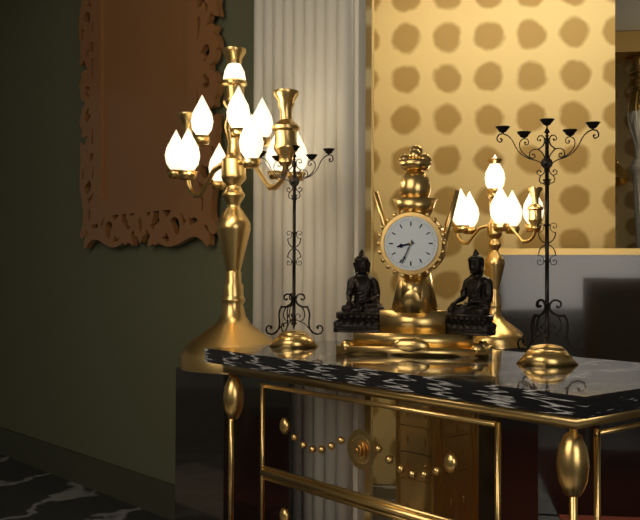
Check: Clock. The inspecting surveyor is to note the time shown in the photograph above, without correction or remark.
8:34
